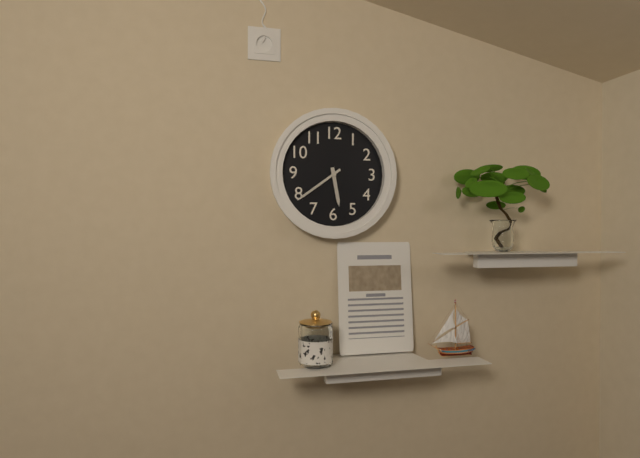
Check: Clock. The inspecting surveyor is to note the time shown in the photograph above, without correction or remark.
5:39
